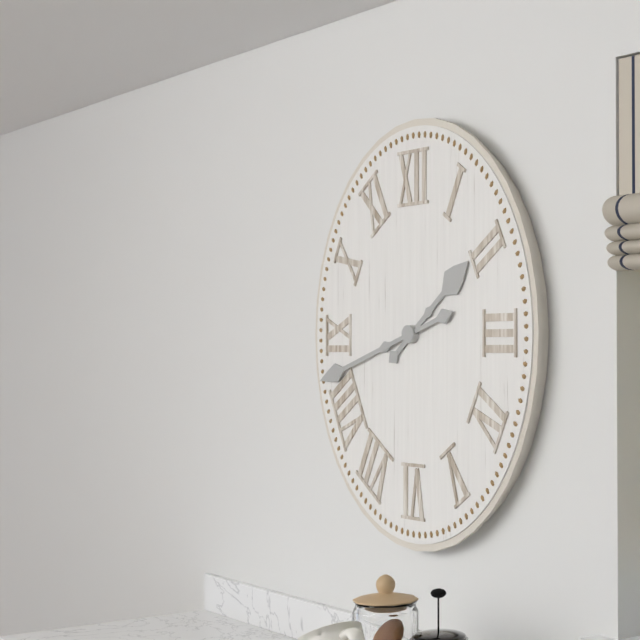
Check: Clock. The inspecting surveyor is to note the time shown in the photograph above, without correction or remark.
1:42
